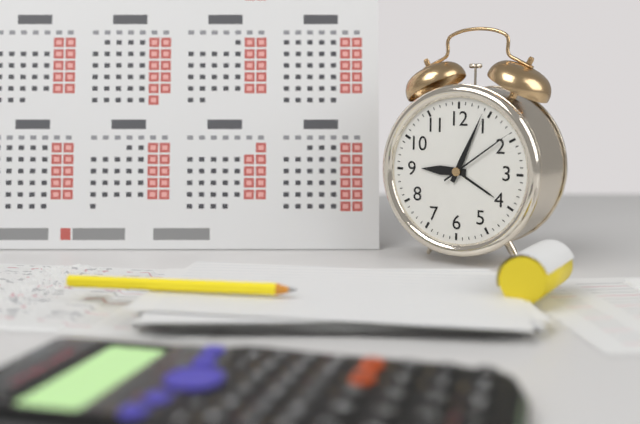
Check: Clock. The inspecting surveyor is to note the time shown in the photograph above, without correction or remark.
9:04:09
